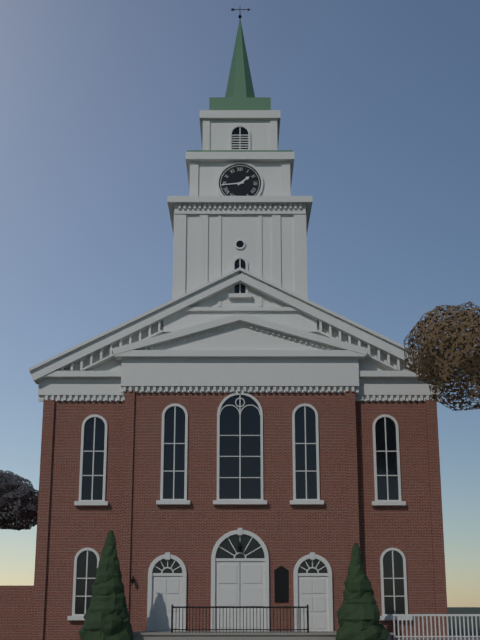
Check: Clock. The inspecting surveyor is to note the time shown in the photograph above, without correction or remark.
1:44
